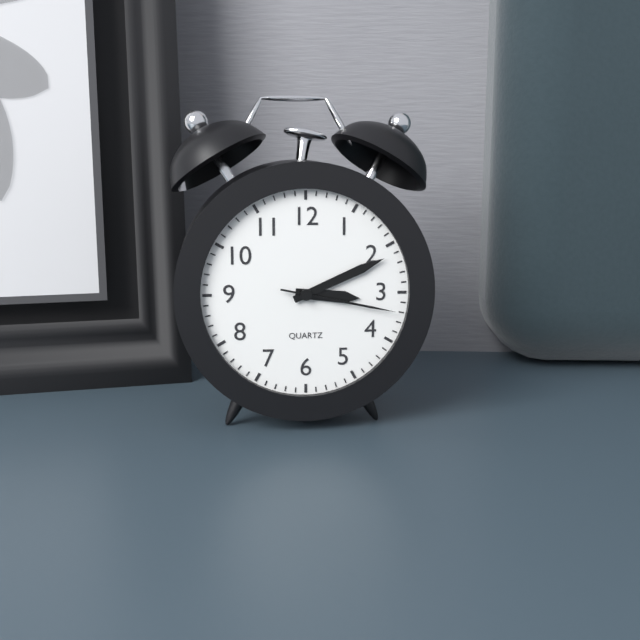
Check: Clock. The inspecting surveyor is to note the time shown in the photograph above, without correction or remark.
3:11:17
